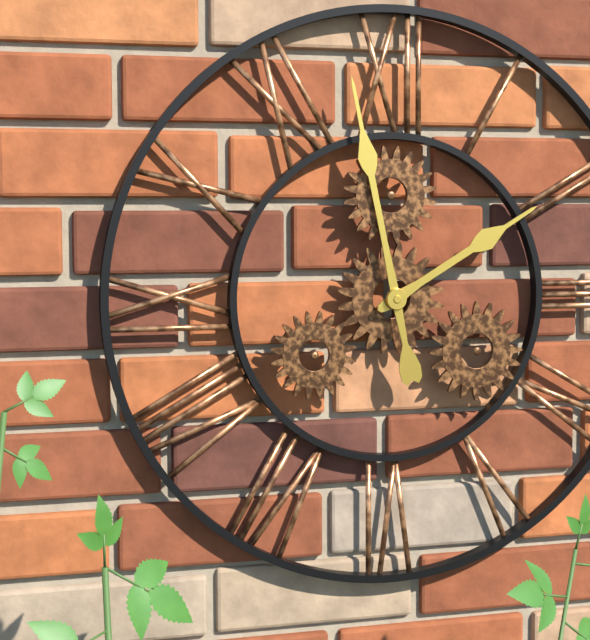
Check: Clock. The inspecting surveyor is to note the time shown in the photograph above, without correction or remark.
1:58
